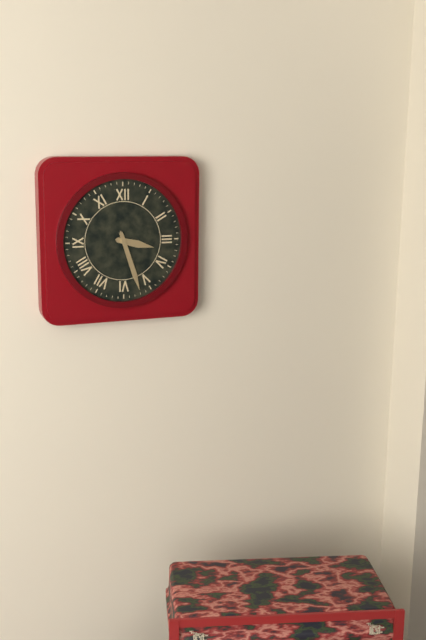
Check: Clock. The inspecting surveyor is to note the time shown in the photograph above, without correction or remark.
3:27
